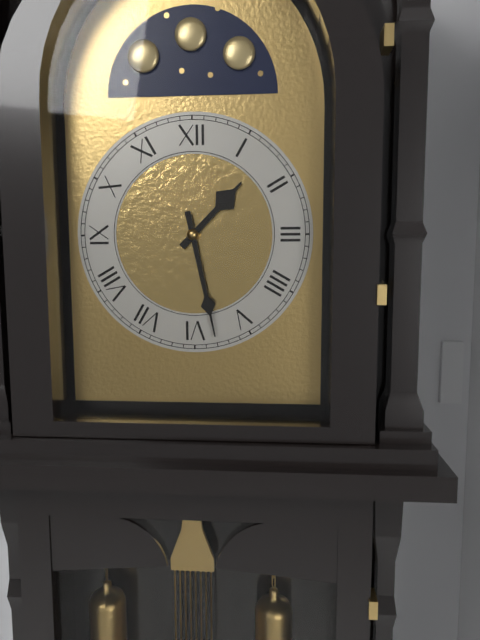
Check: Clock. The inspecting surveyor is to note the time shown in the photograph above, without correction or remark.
1:28
